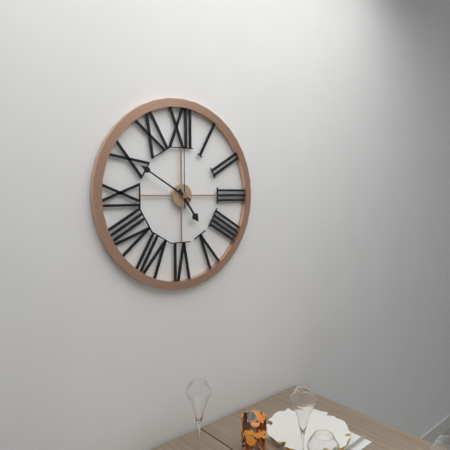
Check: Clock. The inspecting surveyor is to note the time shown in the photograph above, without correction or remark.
4:50:00
